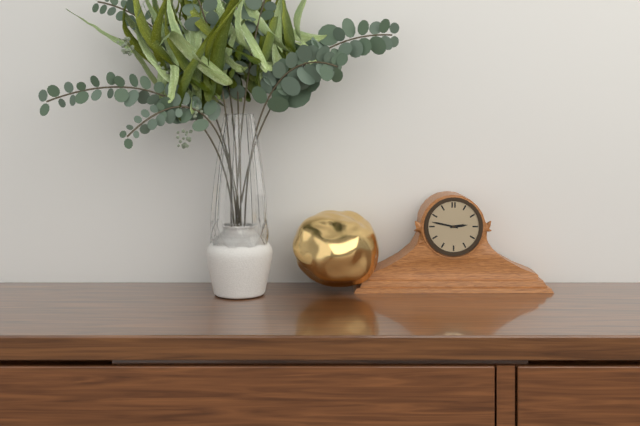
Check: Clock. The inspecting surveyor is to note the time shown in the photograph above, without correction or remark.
2:47
